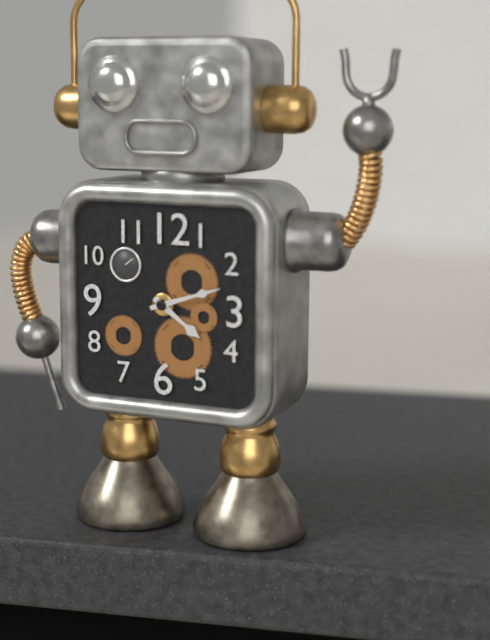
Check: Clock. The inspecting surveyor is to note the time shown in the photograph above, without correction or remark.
4:12
